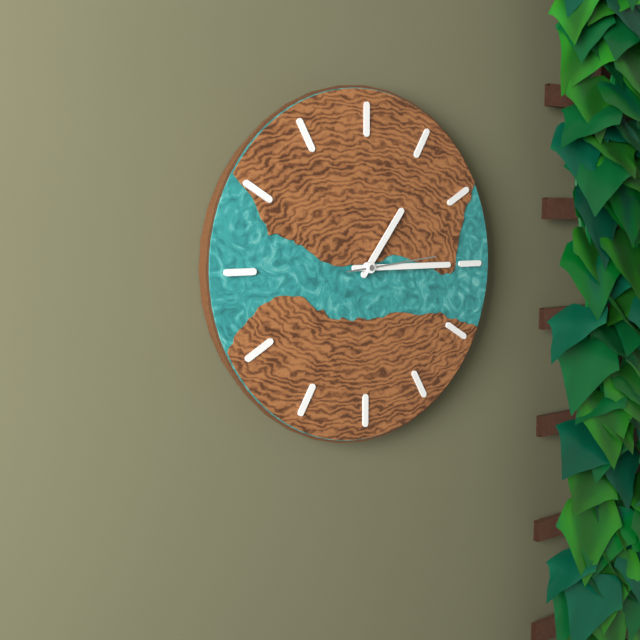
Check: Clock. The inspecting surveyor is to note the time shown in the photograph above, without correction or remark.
1:15:14
